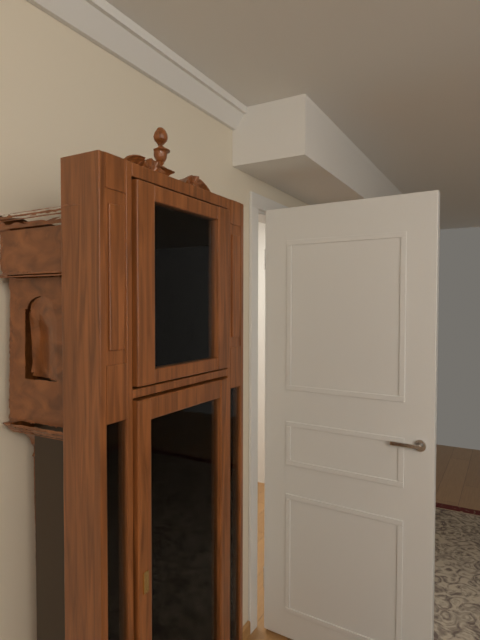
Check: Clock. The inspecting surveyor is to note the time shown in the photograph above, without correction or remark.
1:00
